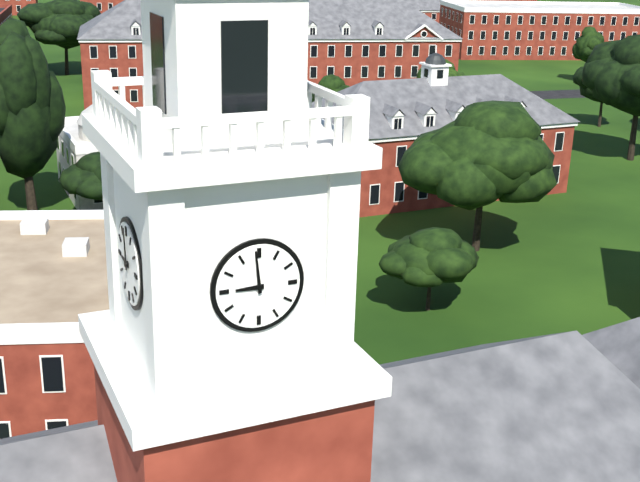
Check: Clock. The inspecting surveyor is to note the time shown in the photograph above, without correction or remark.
8:59
